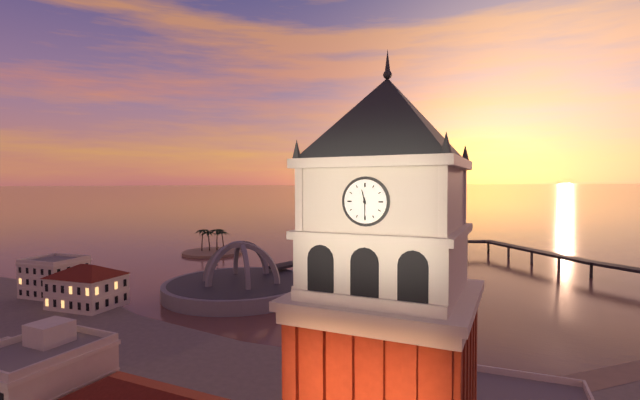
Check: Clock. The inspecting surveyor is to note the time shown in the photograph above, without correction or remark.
11:30
